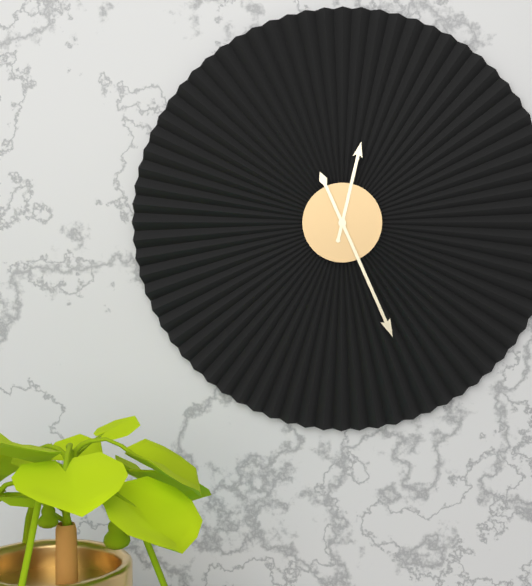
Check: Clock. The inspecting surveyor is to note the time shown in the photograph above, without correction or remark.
12:26
